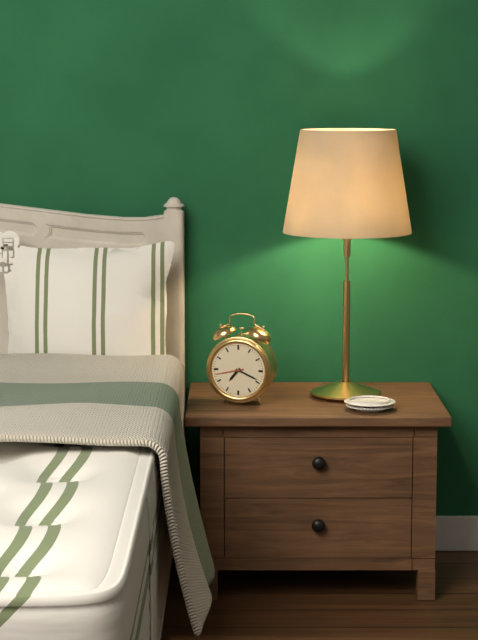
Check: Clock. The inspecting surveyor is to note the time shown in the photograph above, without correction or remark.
7:19
